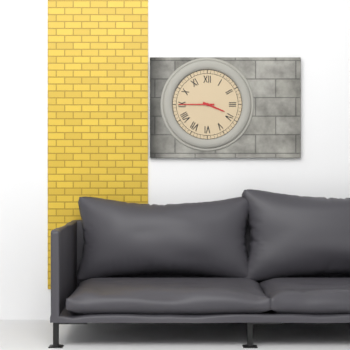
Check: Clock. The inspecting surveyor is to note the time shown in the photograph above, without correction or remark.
3:45
